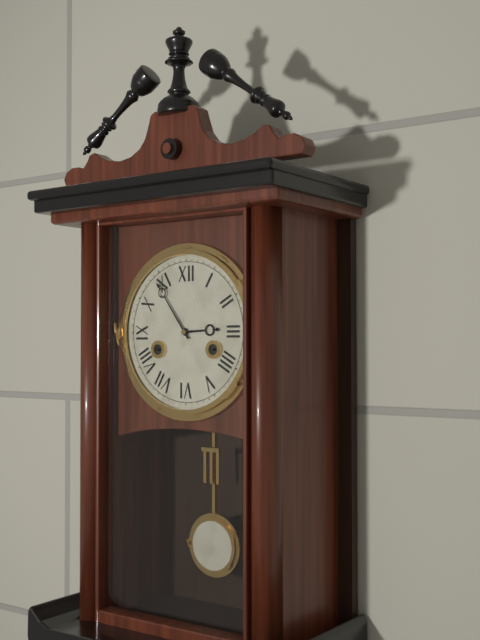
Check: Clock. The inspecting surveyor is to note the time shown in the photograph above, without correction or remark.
2:54
